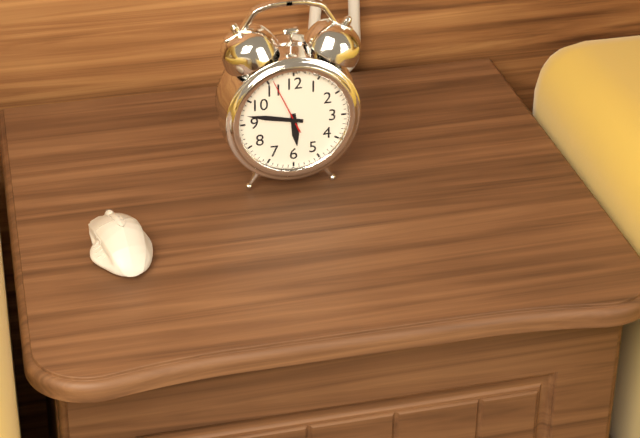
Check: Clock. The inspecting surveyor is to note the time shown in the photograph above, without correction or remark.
5:47:56
